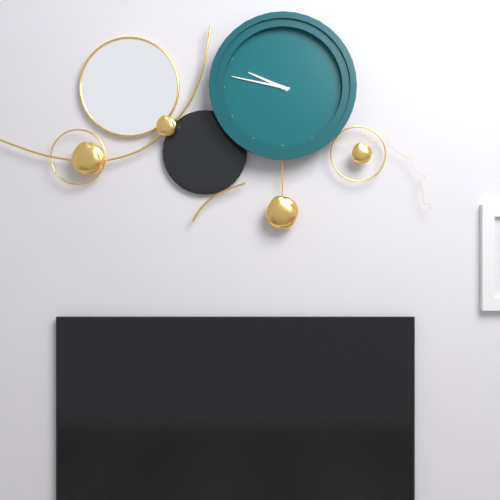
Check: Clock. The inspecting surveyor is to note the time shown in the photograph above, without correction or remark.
9:47
